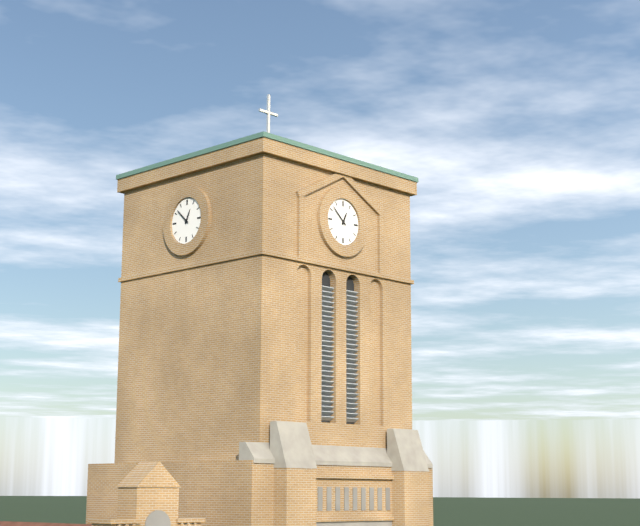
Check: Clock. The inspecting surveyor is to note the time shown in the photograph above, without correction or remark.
12:52
